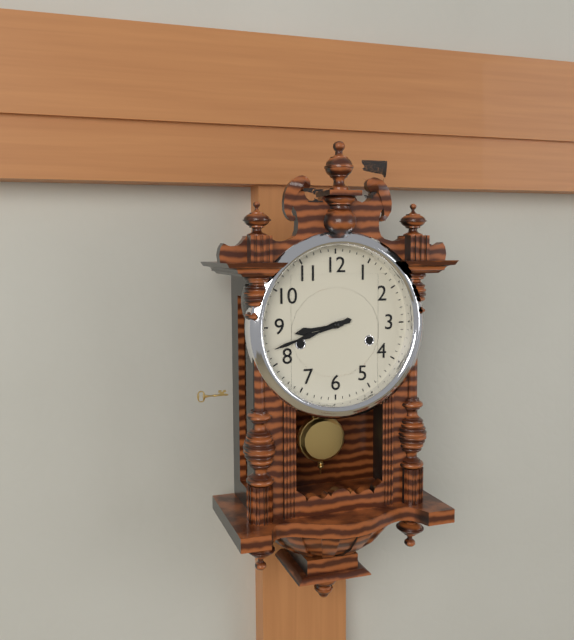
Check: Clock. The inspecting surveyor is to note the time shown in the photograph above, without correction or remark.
8:42
